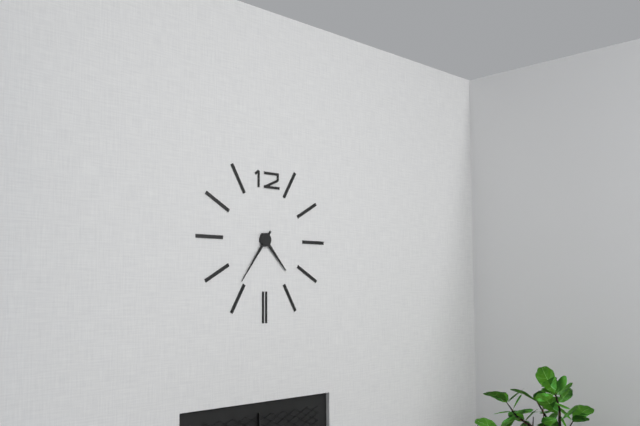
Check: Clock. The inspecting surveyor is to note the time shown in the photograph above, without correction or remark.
4:36
